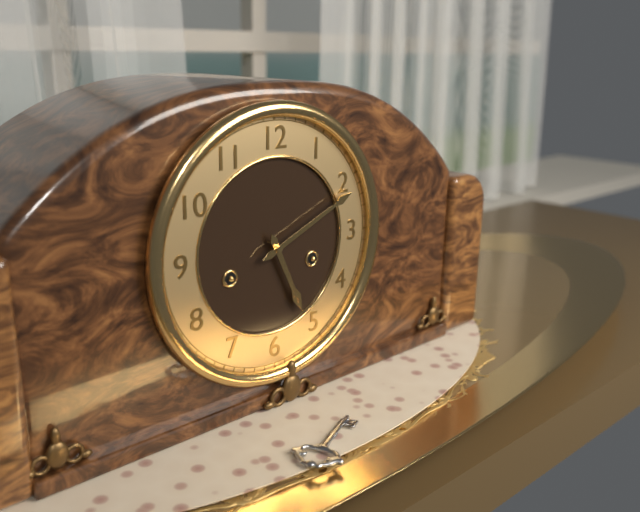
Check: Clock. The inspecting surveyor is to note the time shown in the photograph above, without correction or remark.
5:11
